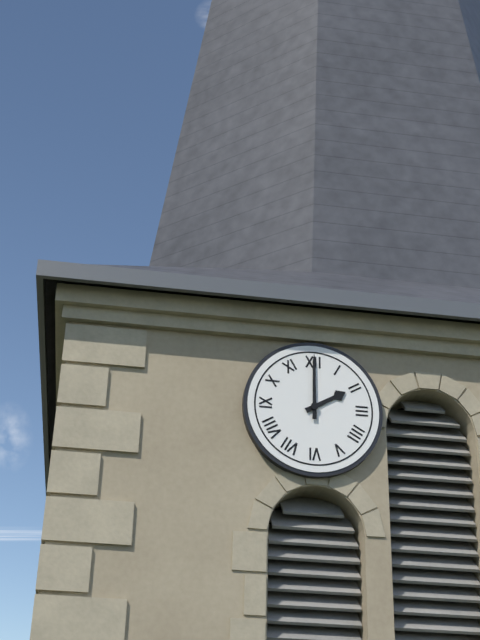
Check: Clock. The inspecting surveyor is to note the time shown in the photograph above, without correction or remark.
2:00
